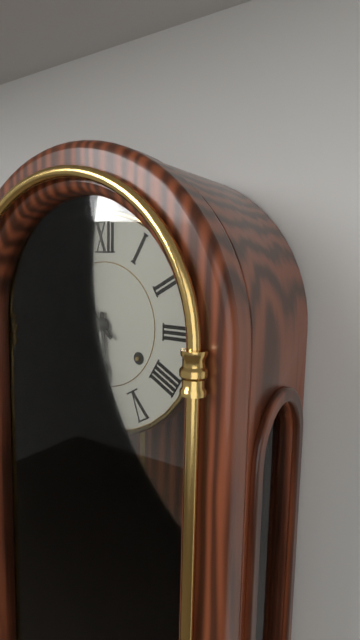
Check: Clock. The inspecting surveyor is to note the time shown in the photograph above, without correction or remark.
5:52
